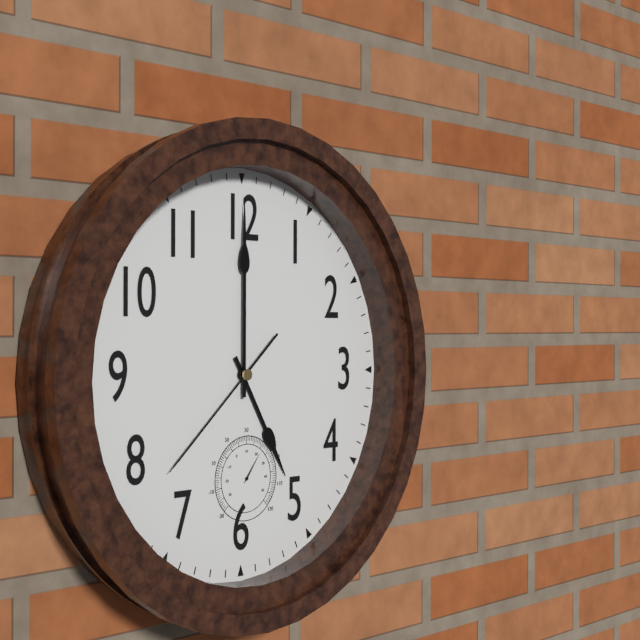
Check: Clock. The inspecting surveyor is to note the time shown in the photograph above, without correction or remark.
5:00:38
